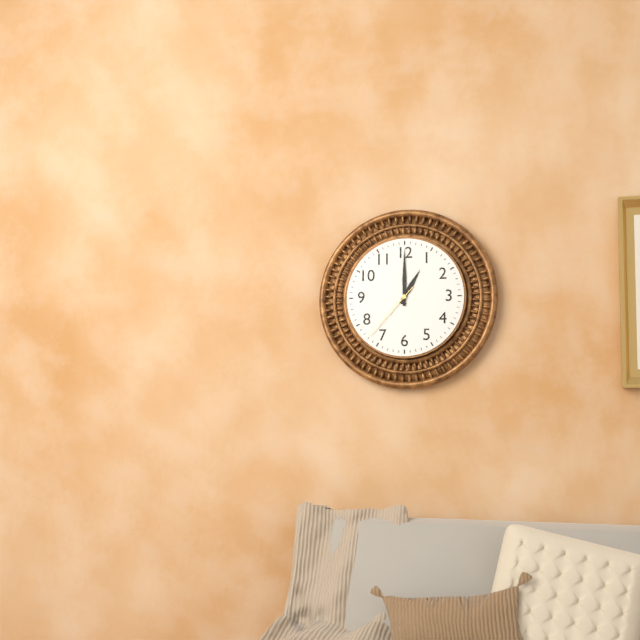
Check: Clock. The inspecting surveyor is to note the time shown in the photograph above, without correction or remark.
1:00:37
